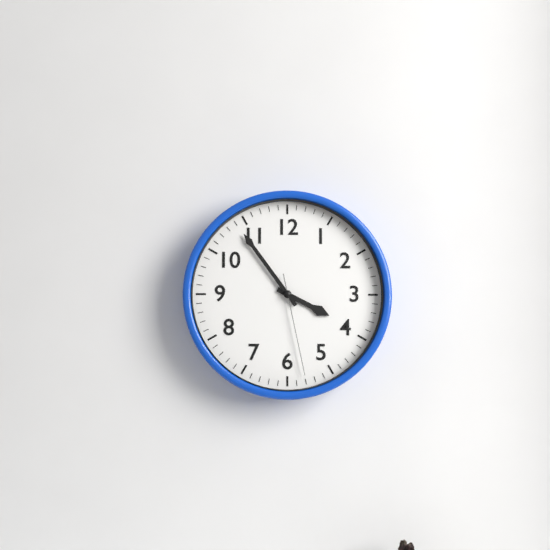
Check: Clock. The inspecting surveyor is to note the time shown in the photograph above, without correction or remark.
3:54:28
